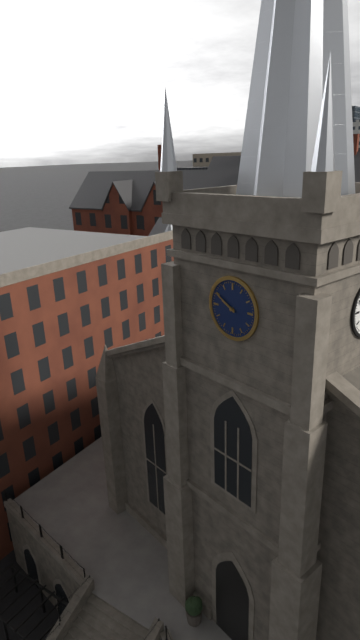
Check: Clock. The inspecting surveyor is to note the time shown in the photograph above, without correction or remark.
9:50
